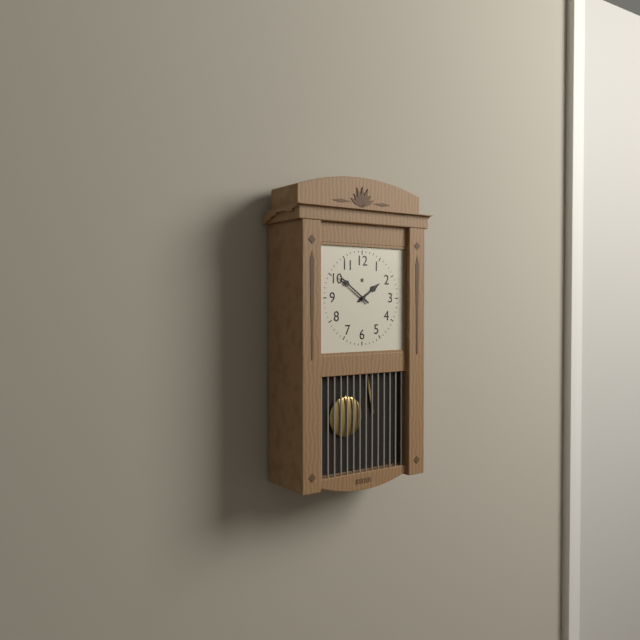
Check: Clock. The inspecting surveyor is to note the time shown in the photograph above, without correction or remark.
1:51
